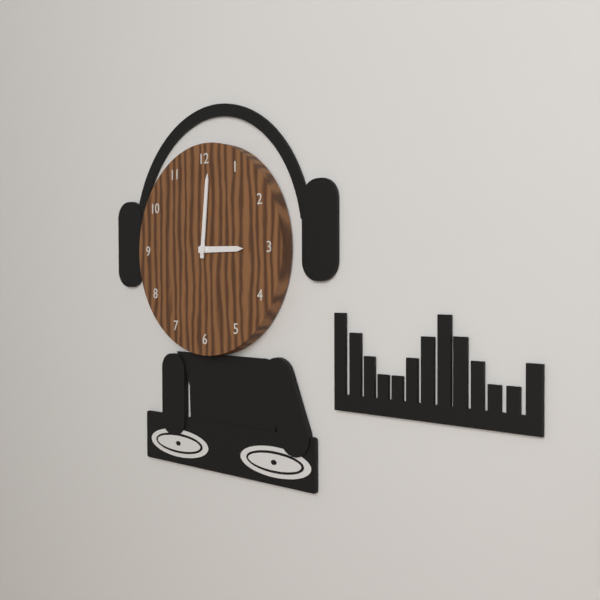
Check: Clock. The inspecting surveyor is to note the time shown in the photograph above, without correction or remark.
3:01
